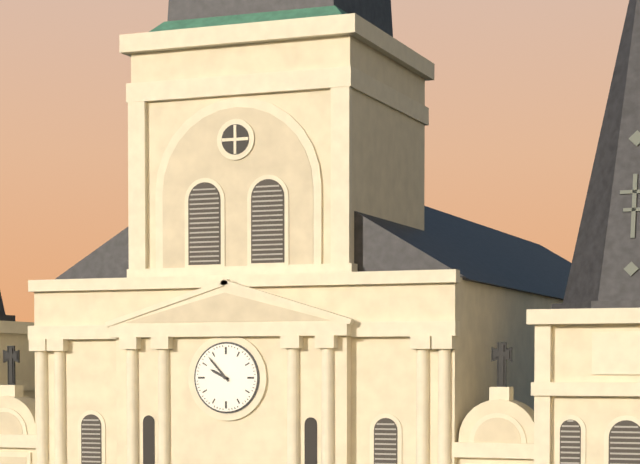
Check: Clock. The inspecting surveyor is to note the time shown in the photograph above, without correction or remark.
9:53
